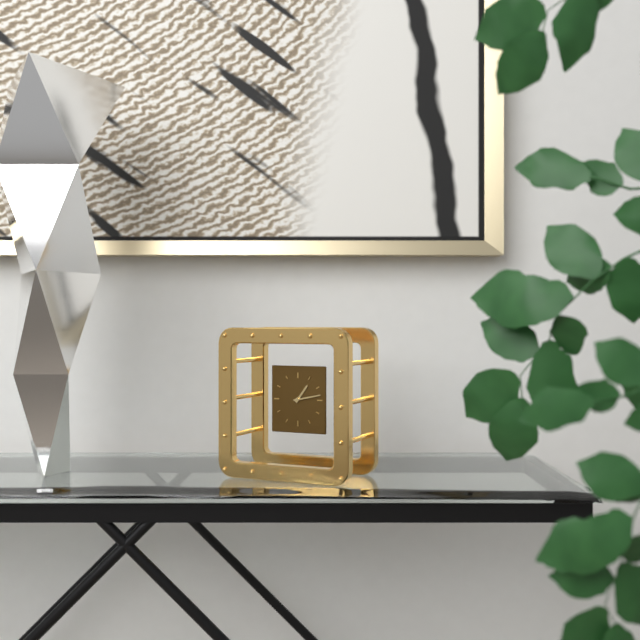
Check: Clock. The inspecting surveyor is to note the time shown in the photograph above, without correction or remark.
1:13
